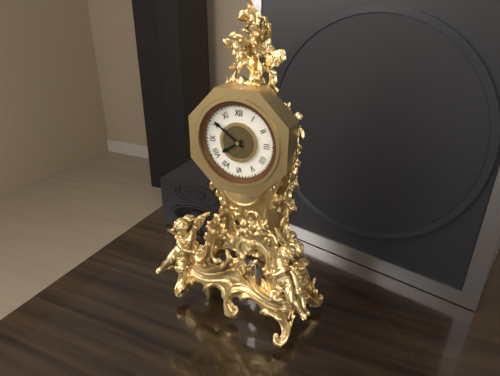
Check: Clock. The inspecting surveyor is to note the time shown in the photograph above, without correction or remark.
7:51
